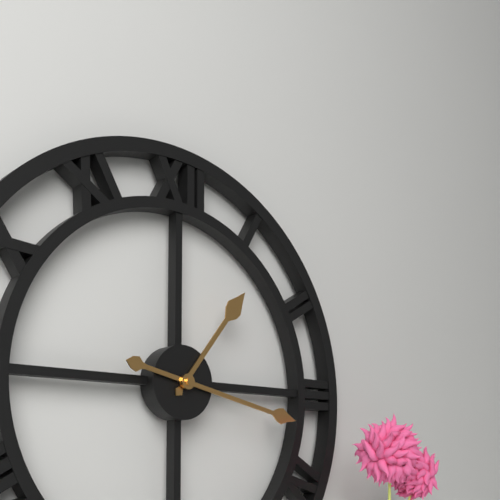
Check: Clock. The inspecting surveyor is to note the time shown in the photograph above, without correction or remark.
1:17
